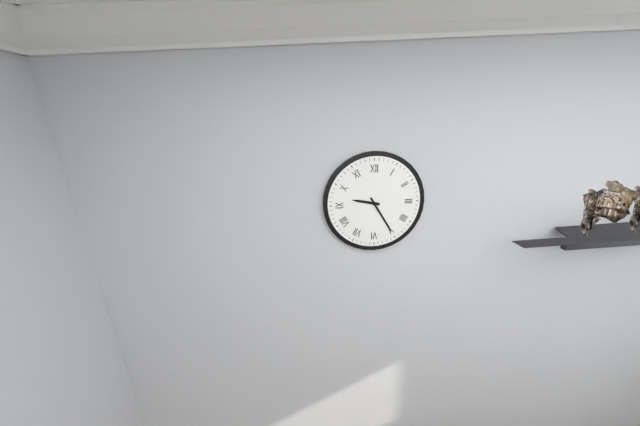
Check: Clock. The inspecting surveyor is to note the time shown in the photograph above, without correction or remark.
9:25
